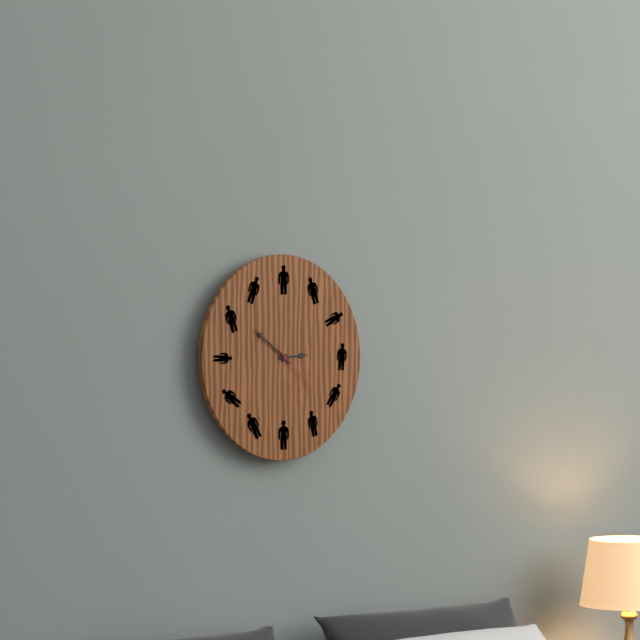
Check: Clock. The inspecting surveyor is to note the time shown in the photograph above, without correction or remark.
2:51:22
